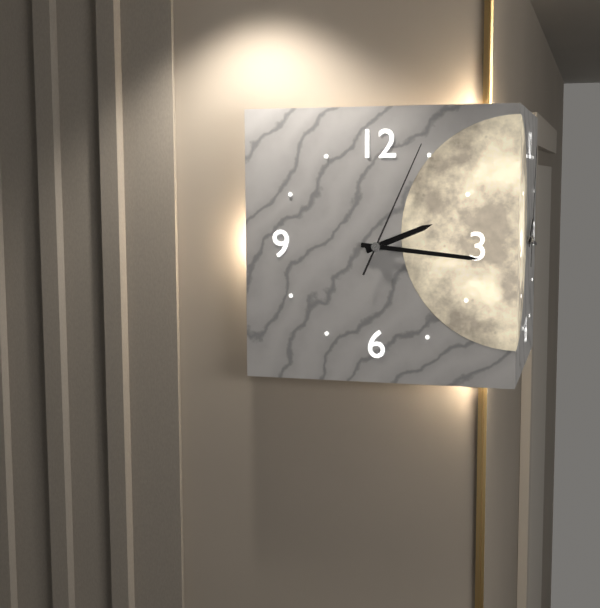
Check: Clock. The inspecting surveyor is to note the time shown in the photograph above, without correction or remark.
2:16:04
